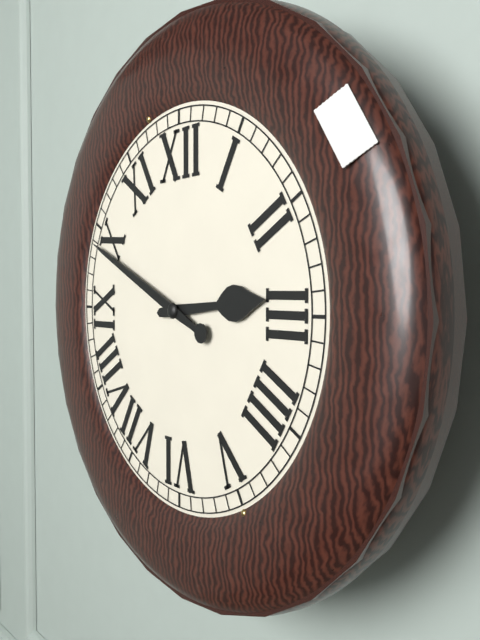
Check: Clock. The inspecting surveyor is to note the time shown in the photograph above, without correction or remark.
2:49
